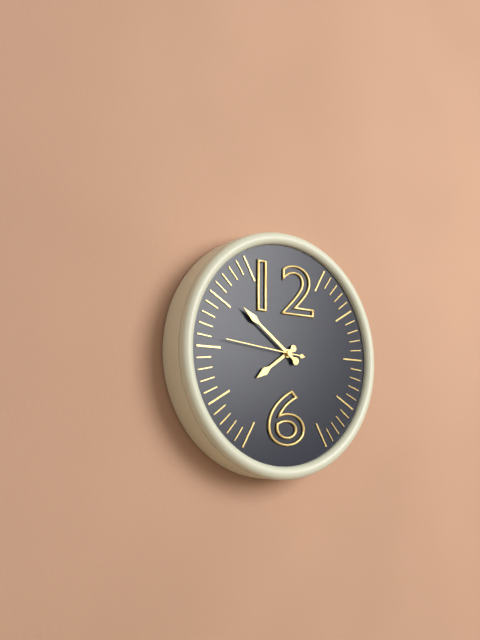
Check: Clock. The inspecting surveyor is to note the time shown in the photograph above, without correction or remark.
7:51:46
